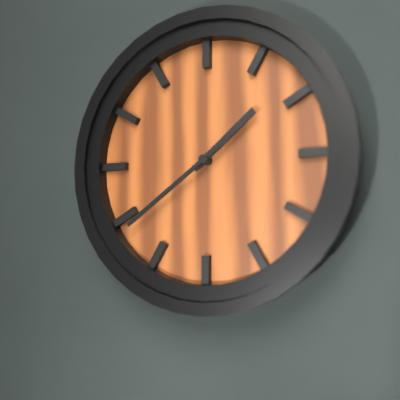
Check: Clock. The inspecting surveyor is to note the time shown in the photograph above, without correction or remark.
1:39
